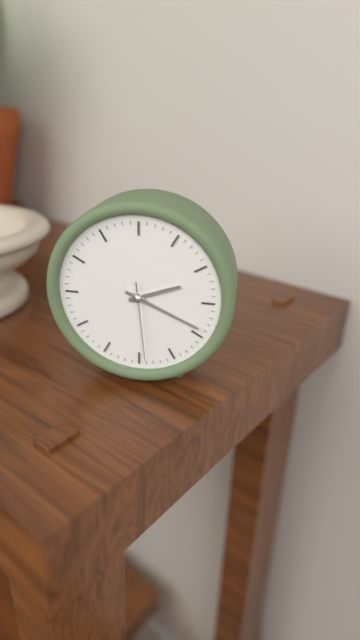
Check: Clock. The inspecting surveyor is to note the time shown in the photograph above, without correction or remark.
2:19:29
